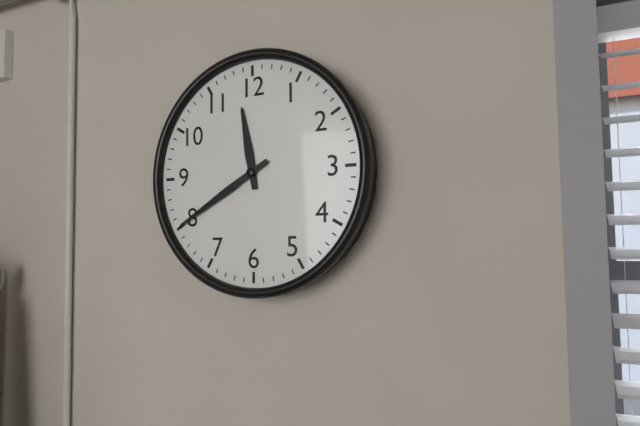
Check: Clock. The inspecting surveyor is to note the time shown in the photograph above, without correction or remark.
11:40
